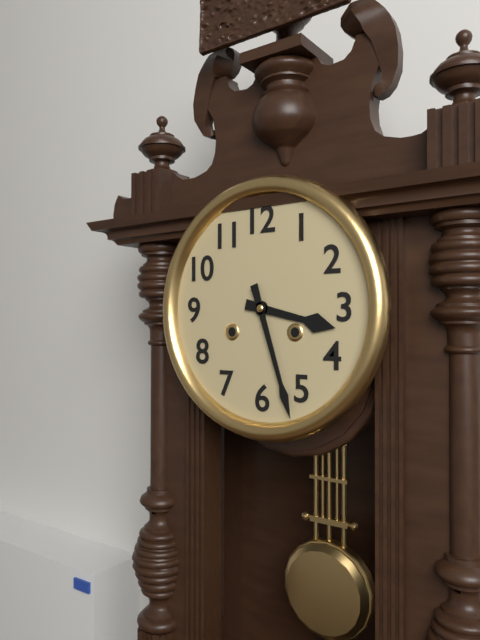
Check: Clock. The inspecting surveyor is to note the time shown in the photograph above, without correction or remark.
3:27
